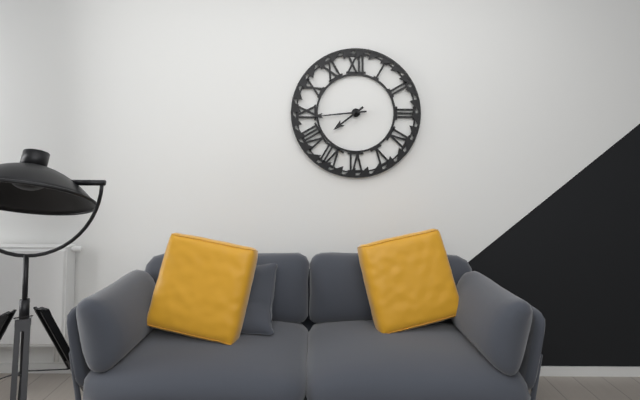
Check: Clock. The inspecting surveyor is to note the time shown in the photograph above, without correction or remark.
7:44
